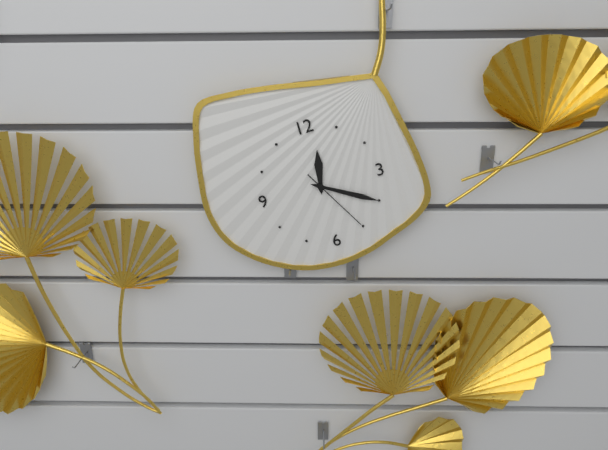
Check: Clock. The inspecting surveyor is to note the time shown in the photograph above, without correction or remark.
12:20:25
